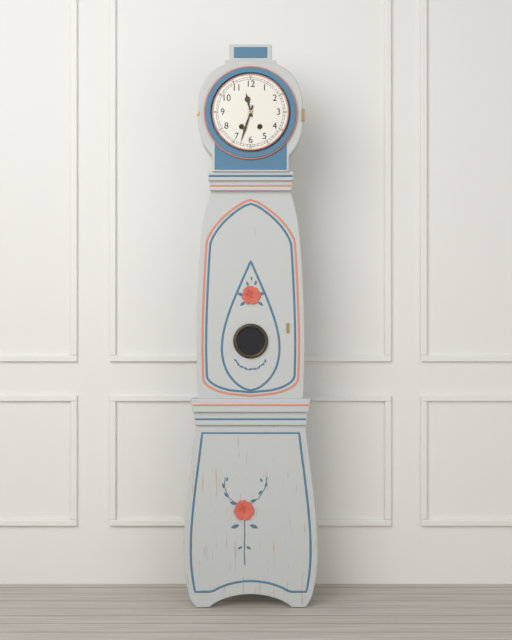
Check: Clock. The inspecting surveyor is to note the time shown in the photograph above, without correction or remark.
11:33
